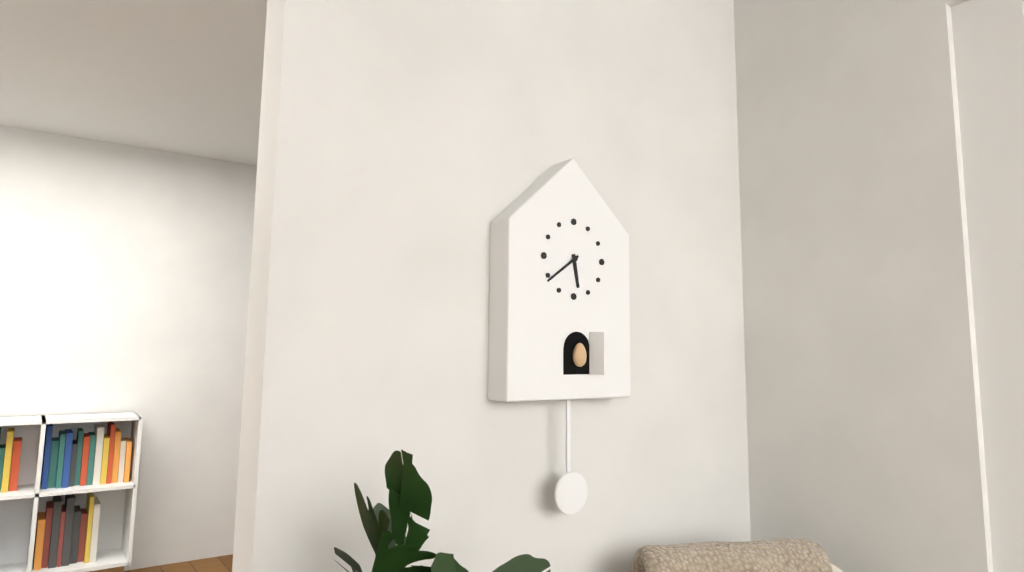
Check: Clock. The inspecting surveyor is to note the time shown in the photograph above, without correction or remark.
5:39
